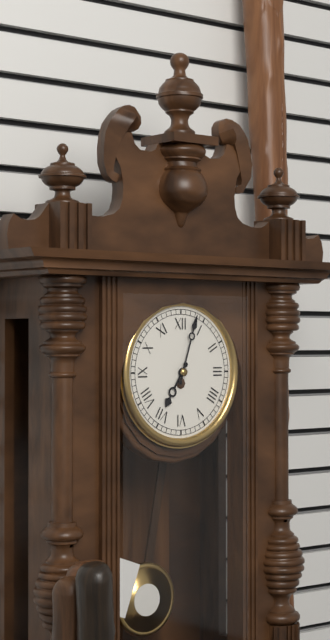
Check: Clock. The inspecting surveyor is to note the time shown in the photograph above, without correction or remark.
7:03
